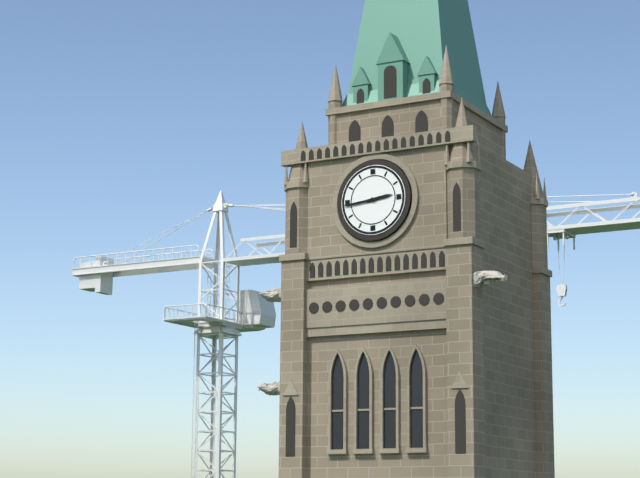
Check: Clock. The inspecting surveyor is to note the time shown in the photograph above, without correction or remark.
2:44
